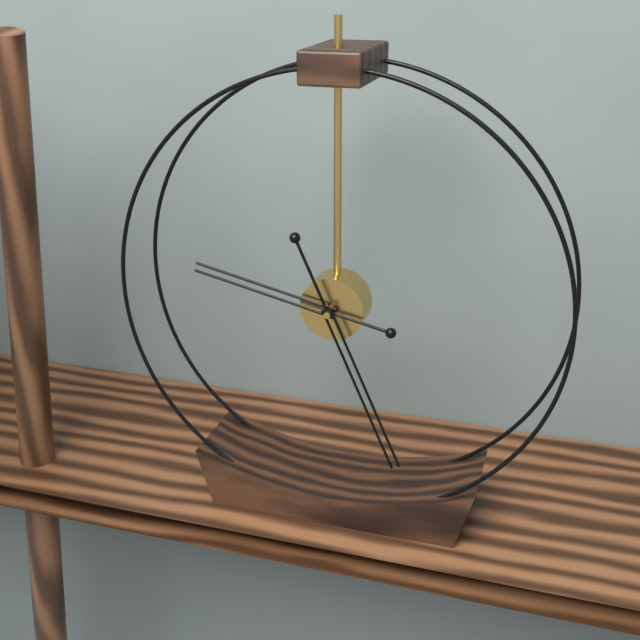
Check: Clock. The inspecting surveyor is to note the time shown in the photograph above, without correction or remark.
9:26
